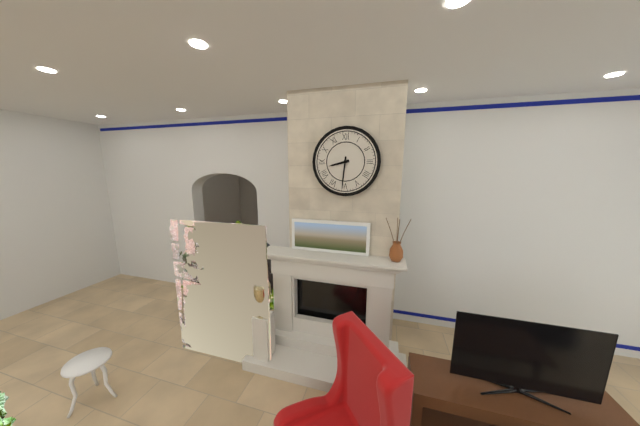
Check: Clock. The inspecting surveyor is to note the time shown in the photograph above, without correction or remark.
8:31
